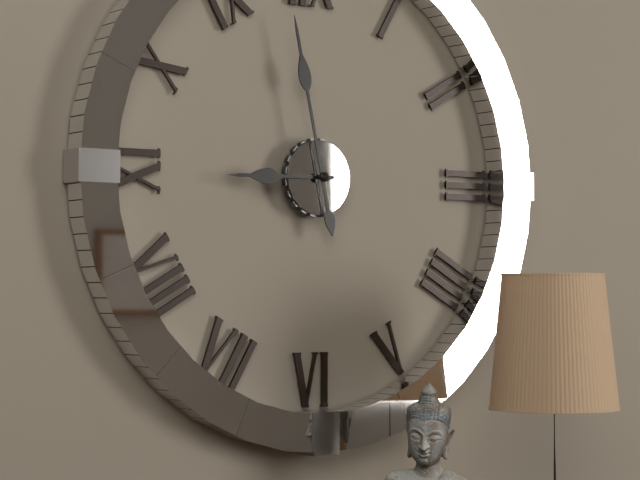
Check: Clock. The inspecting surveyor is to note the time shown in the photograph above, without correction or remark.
8:58
